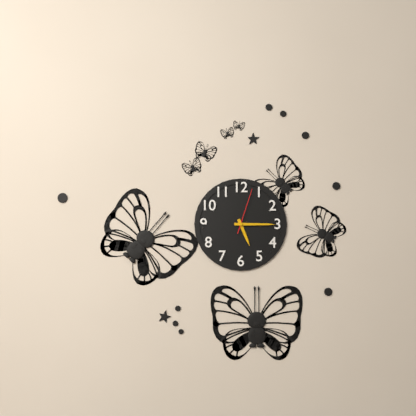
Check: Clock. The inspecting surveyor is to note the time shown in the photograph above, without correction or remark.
5:15
